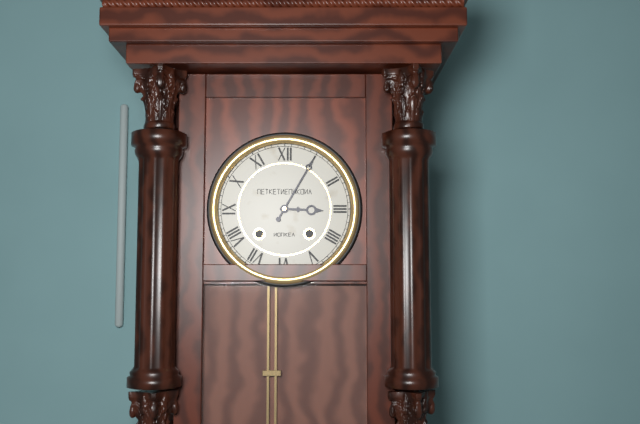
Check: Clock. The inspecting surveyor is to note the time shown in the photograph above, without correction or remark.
3:05
